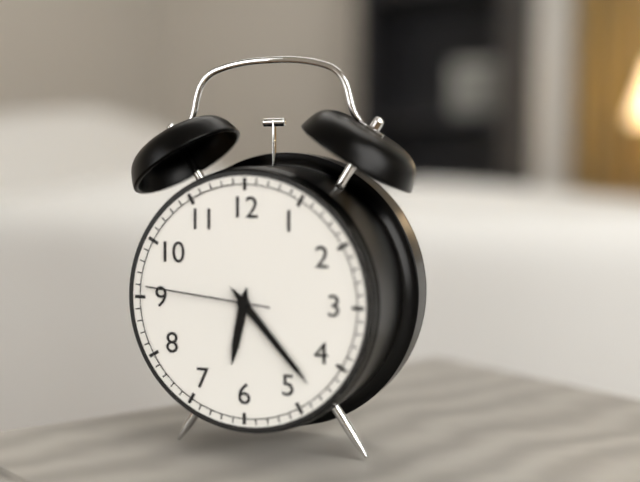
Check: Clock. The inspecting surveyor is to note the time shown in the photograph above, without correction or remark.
6:23:46
